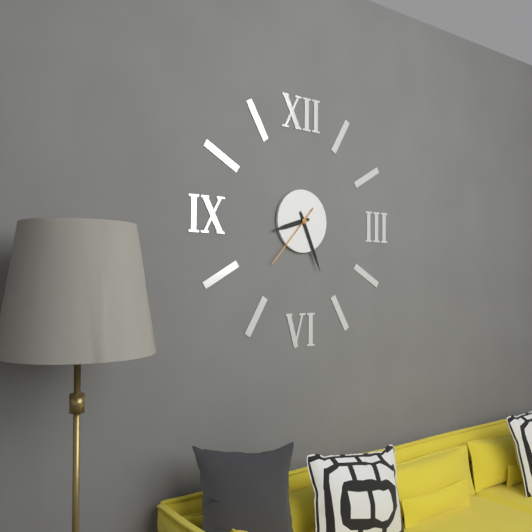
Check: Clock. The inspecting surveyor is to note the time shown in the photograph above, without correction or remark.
8:26:37
